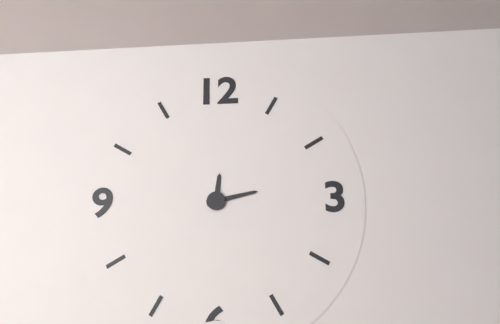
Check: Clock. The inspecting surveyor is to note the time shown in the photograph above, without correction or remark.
12:13
